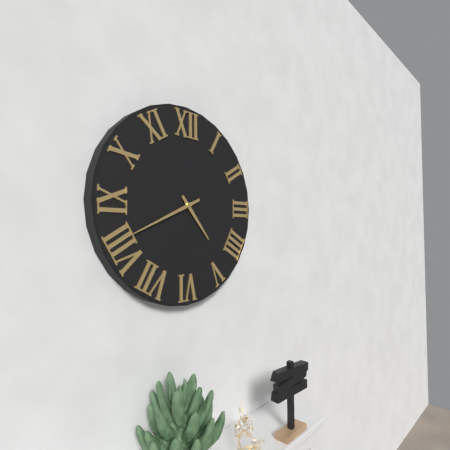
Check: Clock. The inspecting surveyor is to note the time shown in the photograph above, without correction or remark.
4:41
